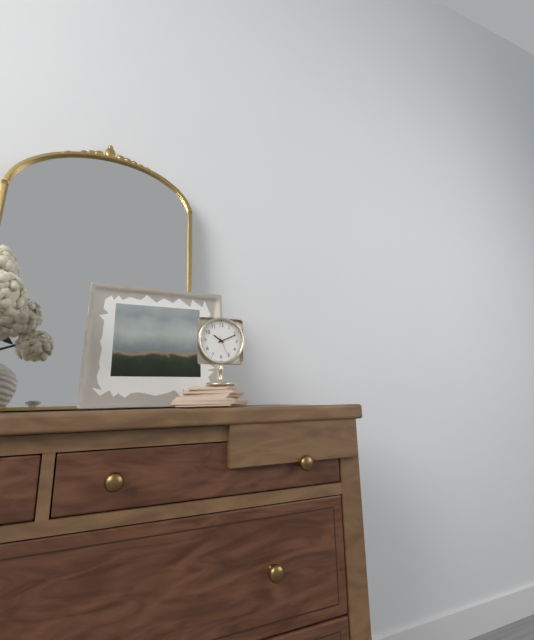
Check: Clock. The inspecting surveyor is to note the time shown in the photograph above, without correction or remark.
10:11
